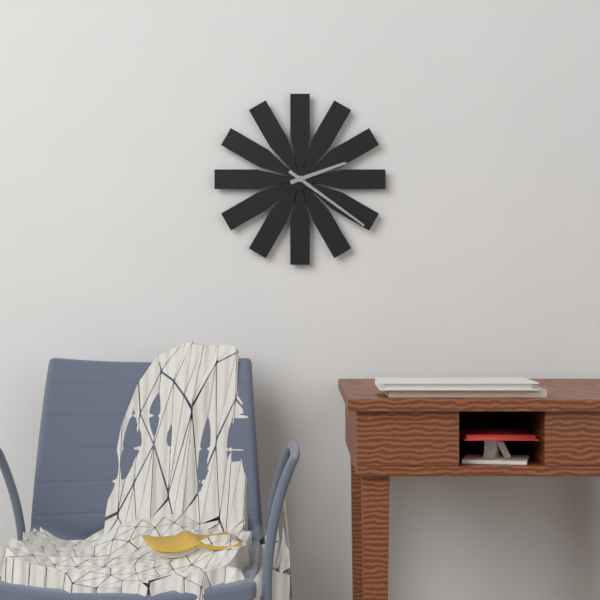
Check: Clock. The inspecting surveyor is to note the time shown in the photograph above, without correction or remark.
2:21
